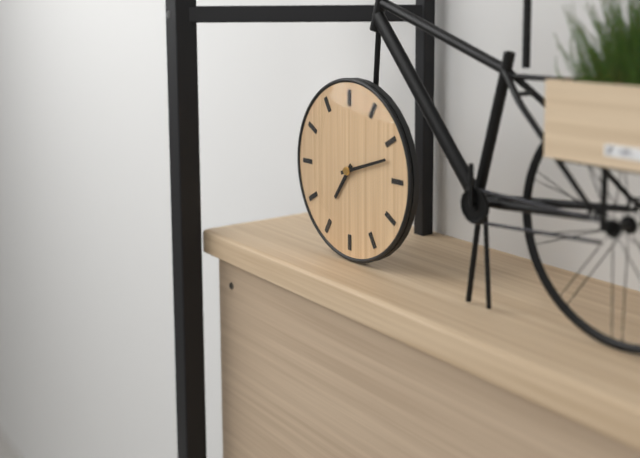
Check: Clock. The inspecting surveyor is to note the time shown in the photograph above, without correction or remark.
7:12
